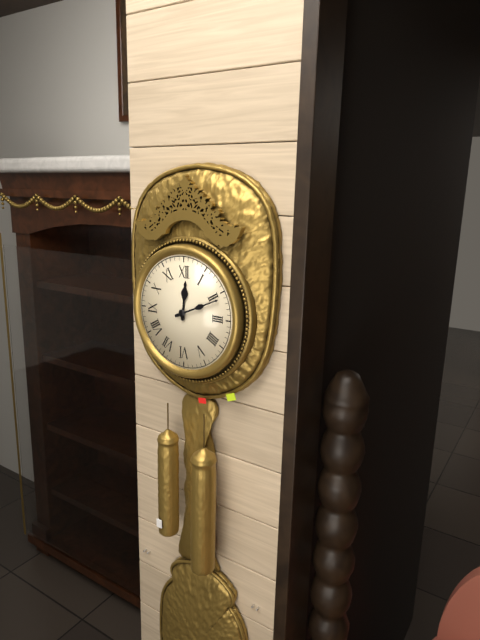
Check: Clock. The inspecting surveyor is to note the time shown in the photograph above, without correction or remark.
12:11
